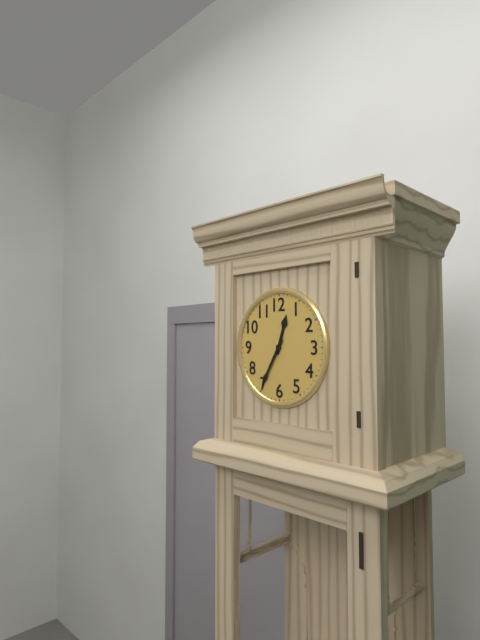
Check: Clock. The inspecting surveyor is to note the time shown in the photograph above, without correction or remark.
12:35
